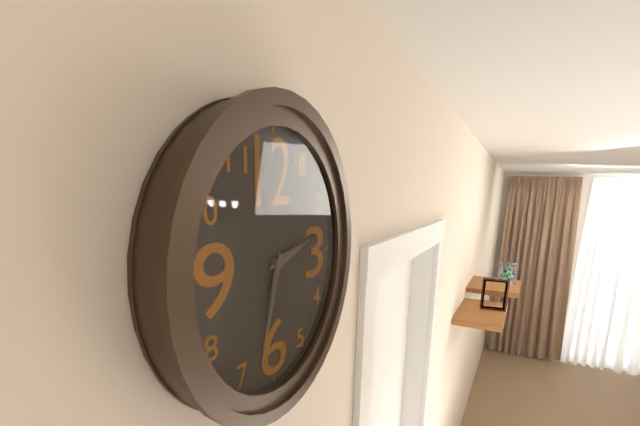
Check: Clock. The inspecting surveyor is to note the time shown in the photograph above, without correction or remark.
2:33
